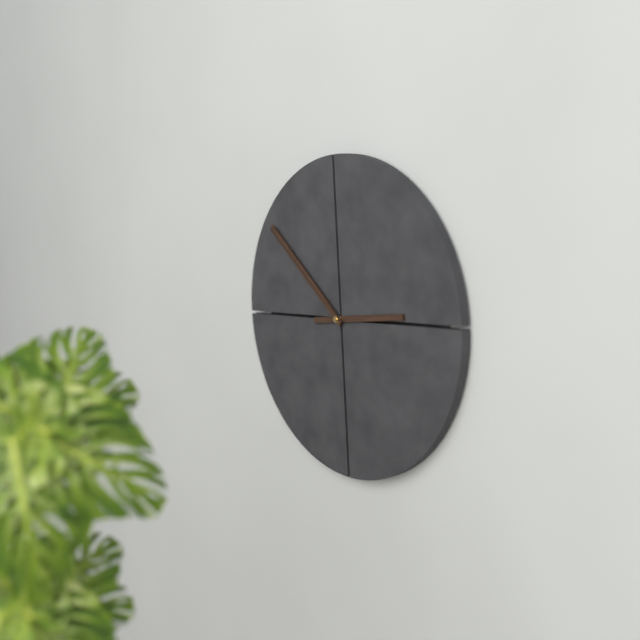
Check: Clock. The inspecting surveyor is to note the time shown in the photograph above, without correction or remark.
2:52
